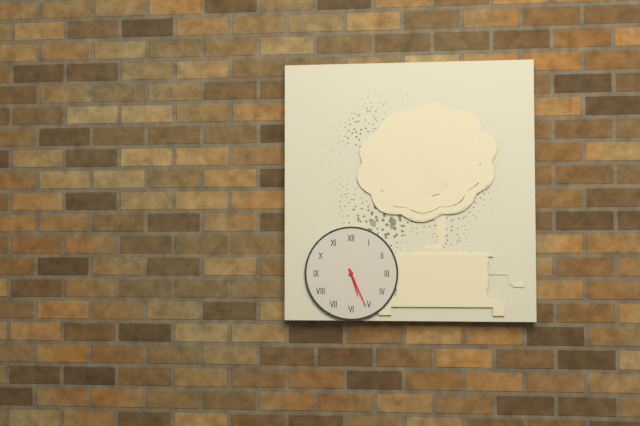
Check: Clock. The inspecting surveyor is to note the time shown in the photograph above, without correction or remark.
5:26
